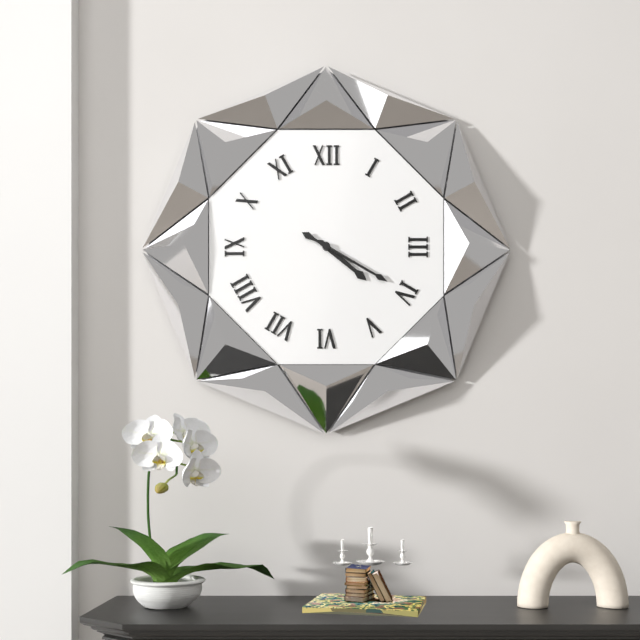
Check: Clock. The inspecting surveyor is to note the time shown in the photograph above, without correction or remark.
4:20
